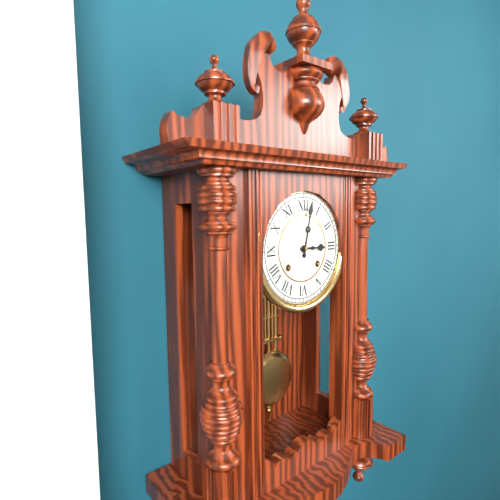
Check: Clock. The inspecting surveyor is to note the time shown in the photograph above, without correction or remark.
3:02
